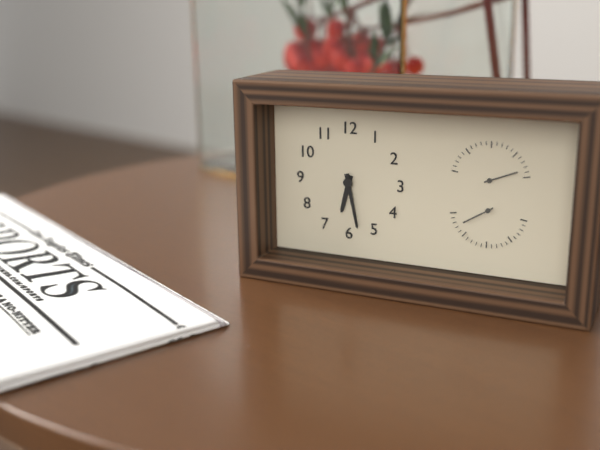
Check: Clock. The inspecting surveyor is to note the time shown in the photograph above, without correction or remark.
6:28
